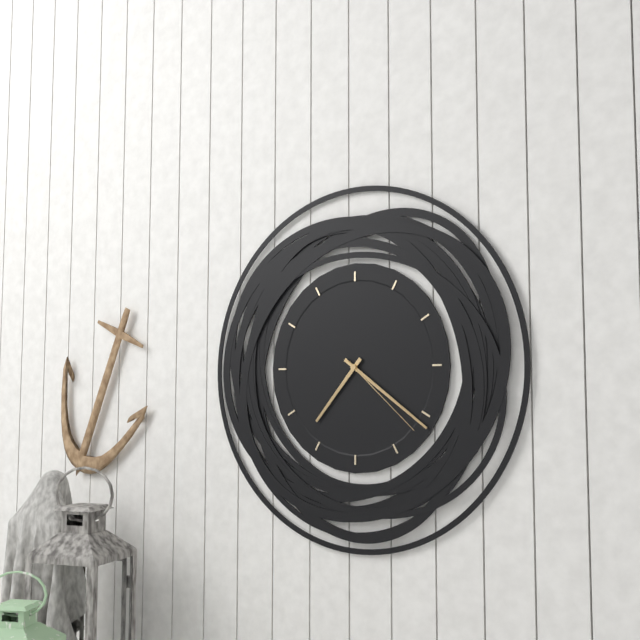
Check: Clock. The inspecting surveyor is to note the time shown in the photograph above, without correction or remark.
7:21:22
